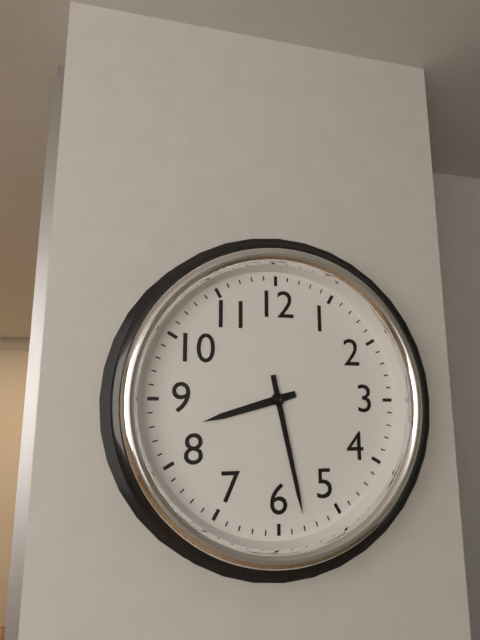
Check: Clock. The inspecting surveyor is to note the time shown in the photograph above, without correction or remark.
8:28
